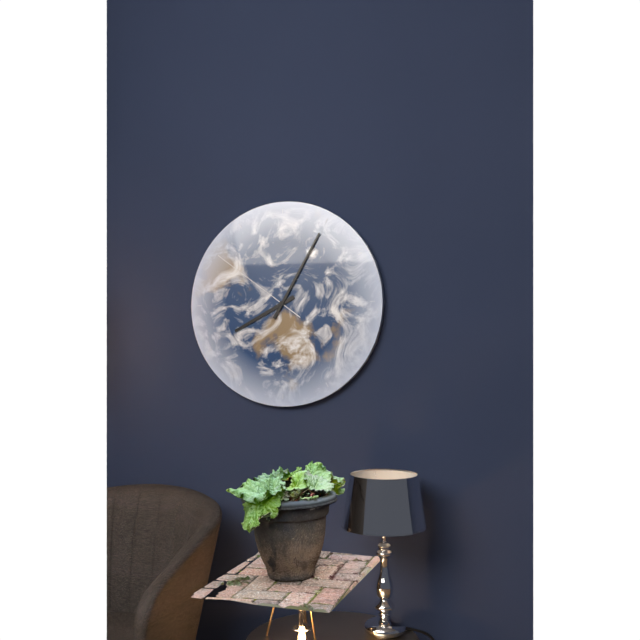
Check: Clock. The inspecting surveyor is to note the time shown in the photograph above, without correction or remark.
8:05:51
